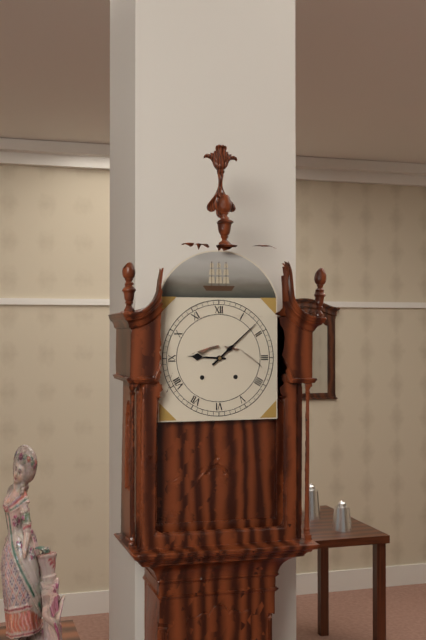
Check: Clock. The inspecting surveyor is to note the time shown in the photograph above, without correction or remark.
9:08
